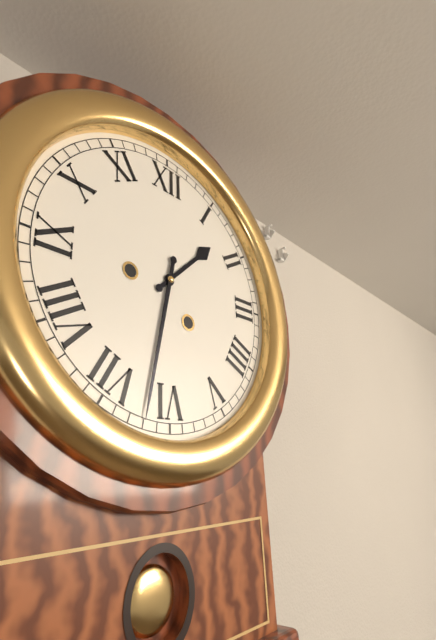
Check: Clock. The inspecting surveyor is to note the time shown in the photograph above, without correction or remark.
1:32
